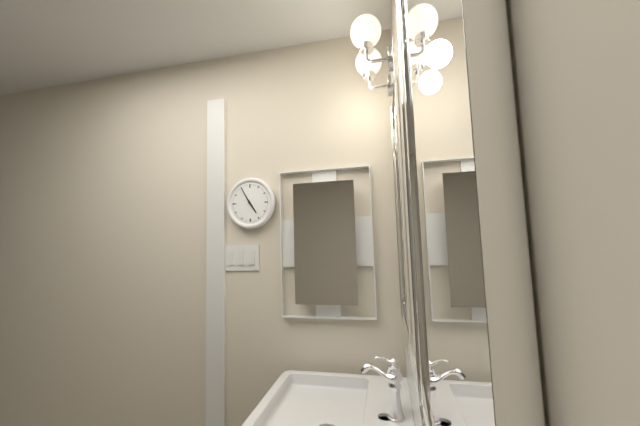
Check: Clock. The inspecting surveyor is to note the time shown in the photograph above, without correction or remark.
4:55
